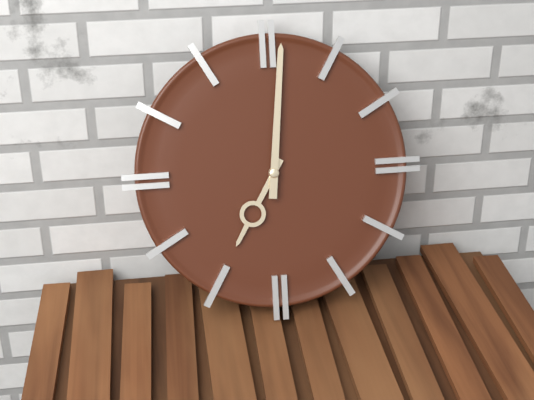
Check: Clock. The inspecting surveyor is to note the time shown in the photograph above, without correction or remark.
7:01
